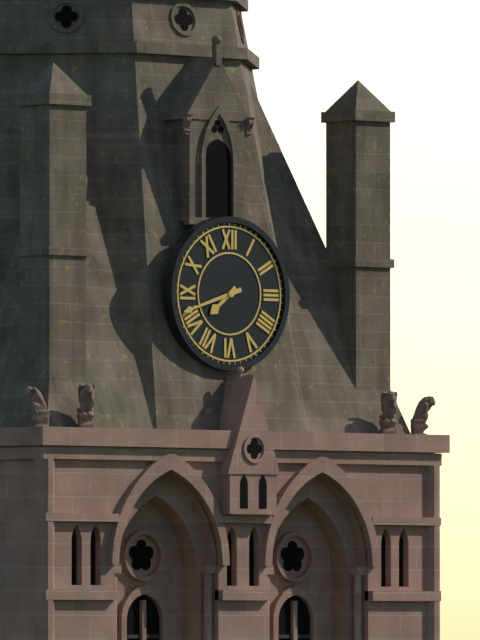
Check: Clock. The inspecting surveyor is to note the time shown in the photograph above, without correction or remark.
7:42
